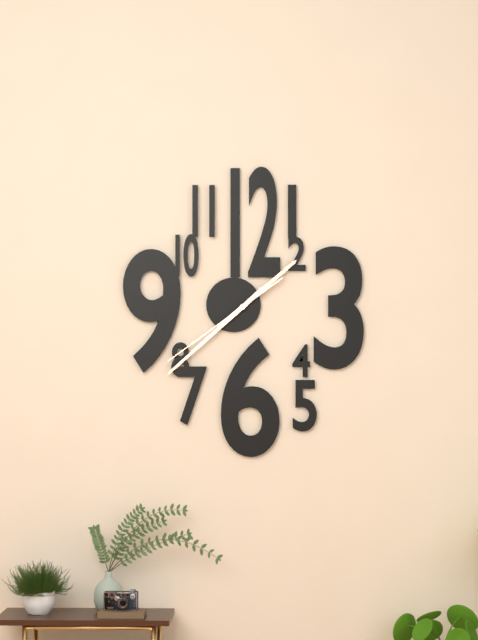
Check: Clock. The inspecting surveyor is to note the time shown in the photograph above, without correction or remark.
1:38:39
